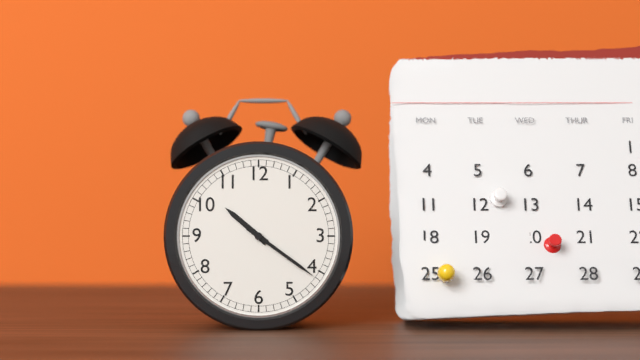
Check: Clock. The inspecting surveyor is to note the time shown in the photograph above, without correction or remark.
10:21
